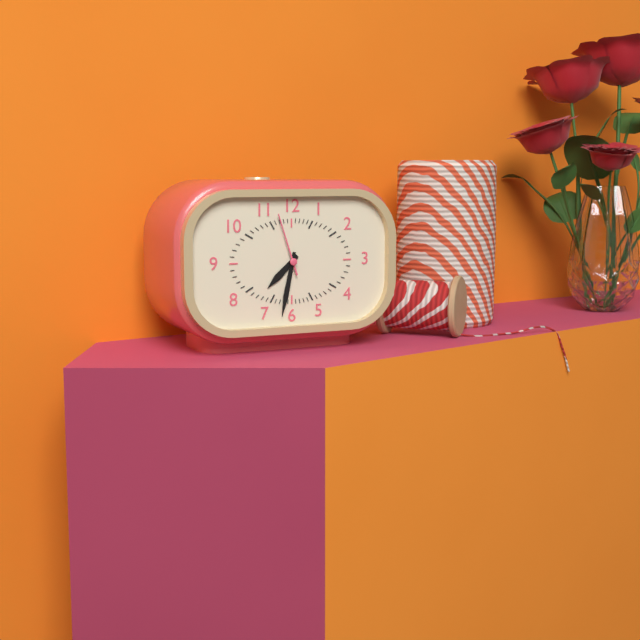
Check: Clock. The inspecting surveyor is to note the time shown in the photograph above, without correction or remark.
7:32:57
